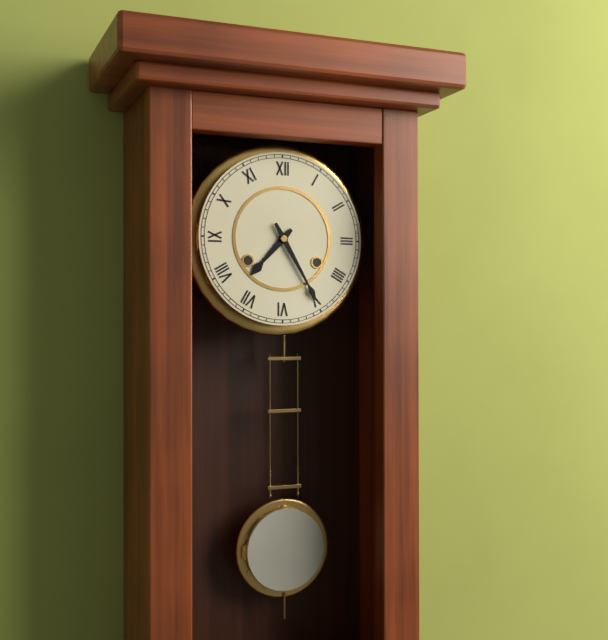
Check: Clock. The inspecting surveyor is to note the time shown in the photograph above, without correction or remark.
7:25
